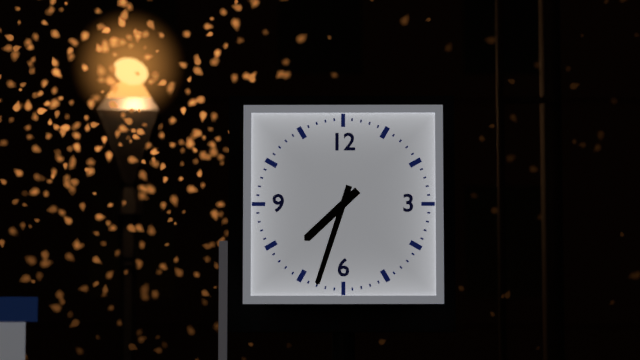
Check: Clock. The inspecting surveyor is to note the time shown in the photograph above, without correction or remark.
7:33
